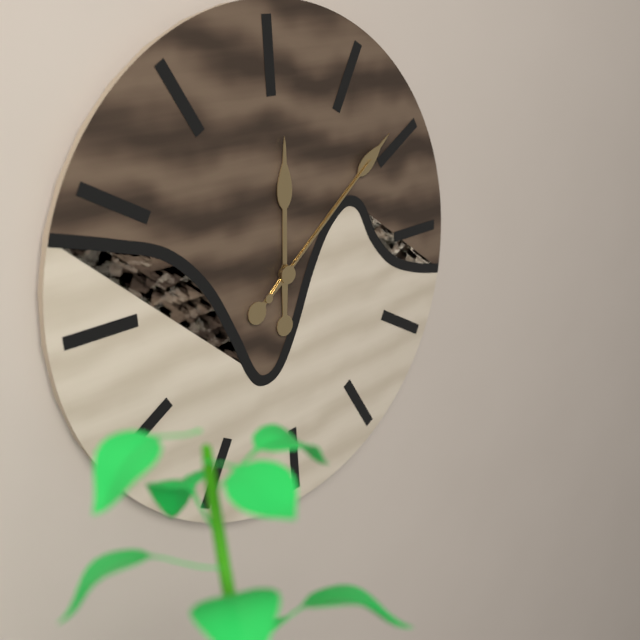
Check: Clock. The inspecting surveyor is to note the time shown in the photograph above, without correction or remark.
12:09:09
